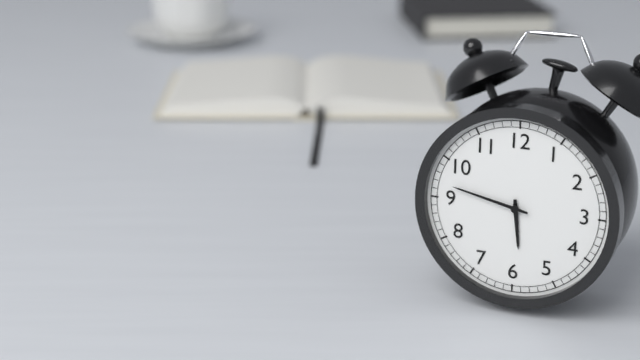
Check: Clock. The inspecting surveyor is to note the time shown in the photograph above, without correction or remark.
5:47
